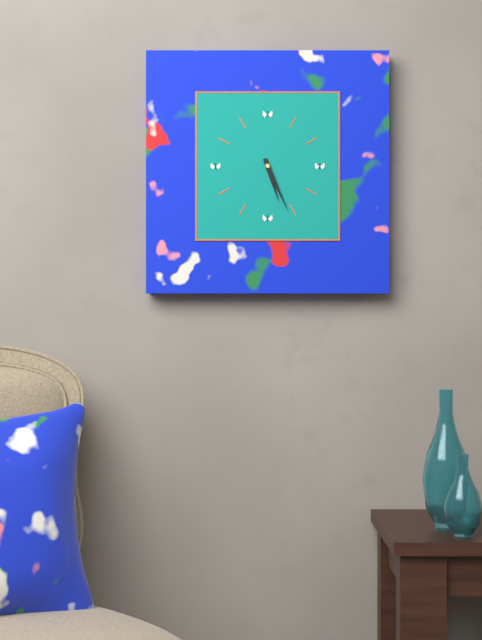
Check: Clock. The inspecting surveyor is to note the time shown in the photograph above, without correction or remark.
5:26
